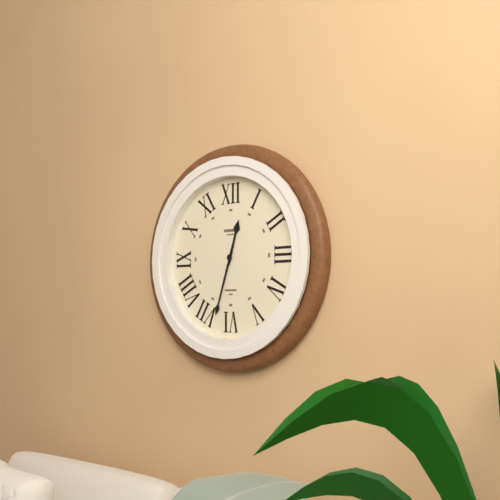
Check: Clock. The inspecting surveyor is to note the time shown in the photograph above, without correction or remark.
12:33
